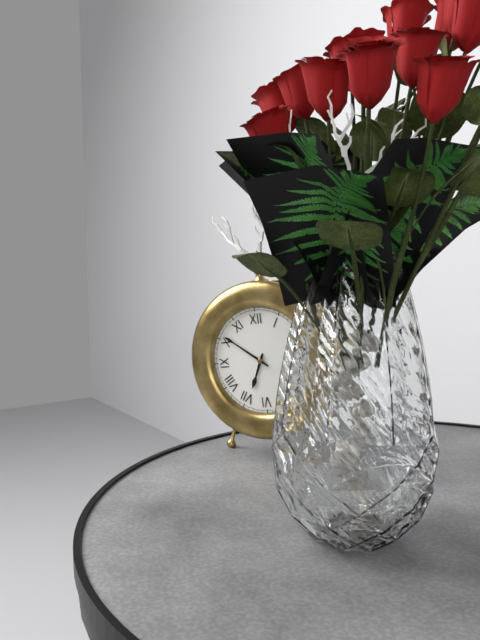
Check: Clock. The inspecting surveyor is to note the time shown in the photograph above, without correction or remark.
6:51
